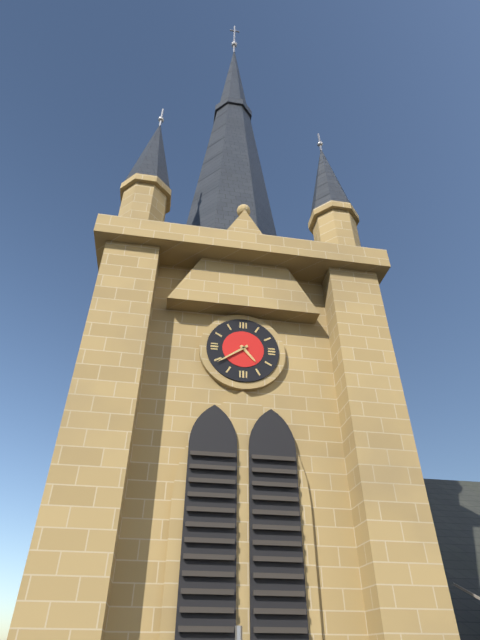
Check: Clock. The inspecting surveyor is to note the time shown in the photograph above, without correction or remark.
4:39
